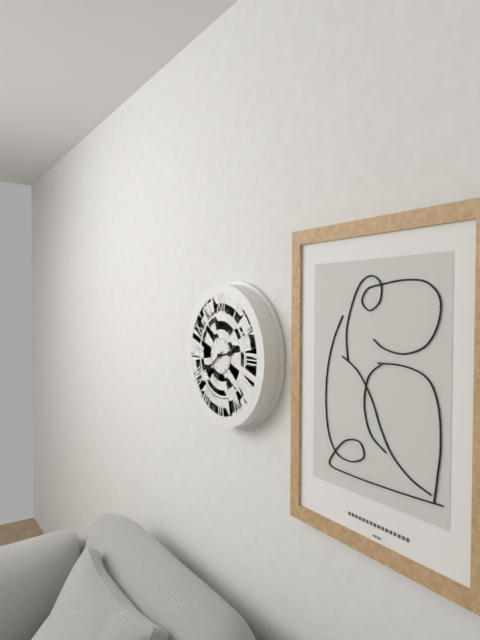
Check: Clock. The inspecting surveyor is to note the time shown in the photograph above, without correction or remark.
2:39
